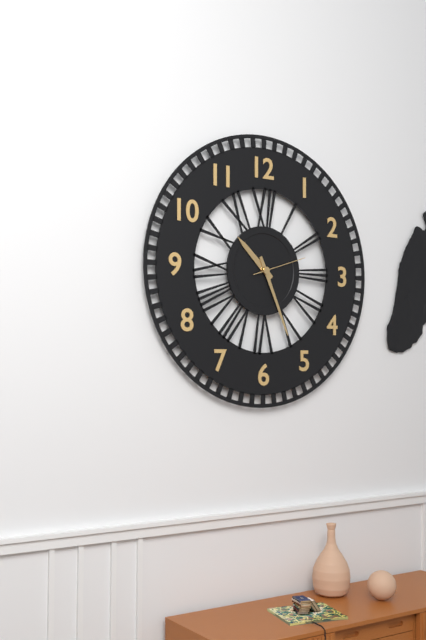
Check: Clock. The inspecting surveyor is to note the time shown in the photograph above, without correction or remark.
10:26:12
